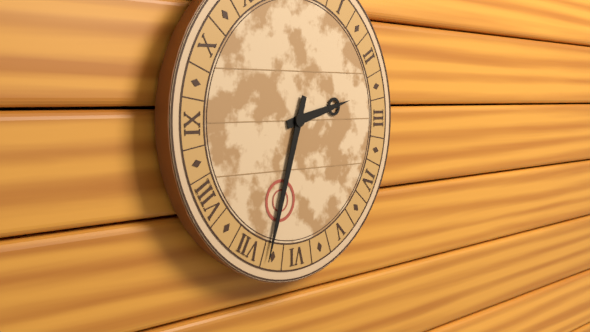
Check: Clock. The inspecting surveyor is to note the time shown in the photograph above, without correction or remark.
2:33
